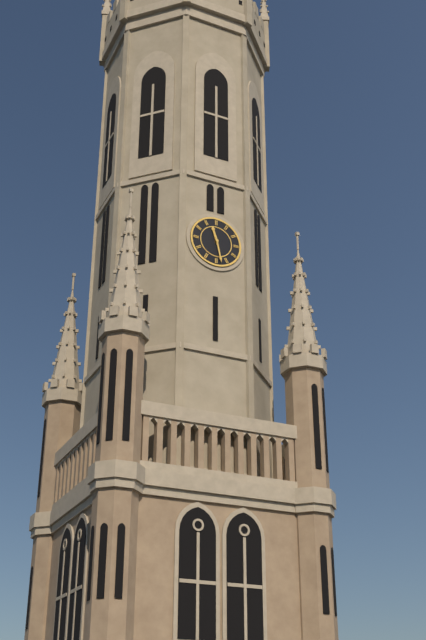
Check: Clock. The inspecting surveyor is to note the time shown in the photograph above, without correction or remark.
11:28
